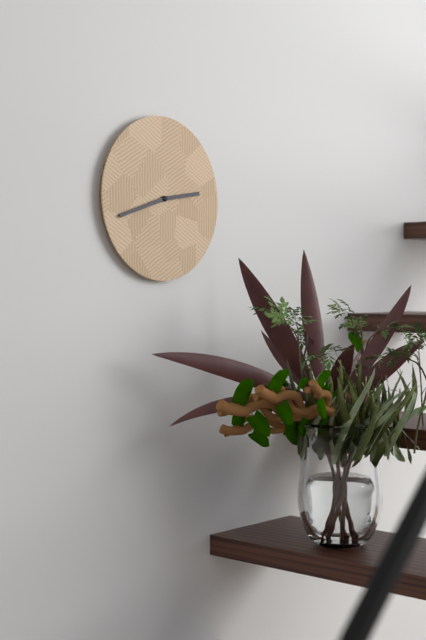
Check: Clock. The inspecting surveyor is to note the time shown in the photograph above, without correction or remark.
2:42
